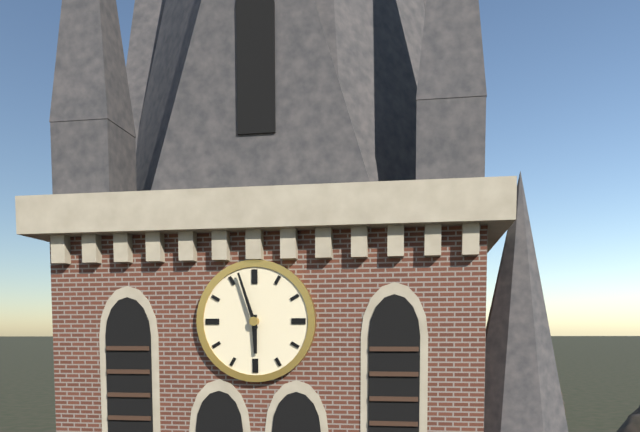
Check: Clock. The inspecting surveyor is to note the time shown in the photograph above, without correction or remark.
5:57
